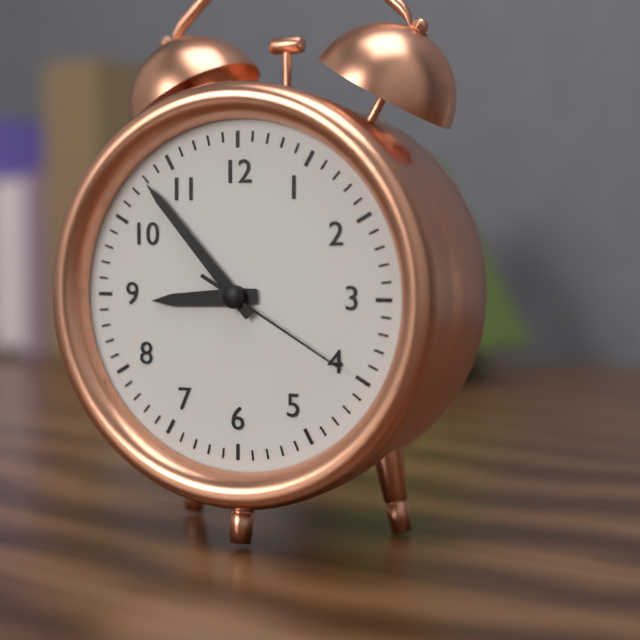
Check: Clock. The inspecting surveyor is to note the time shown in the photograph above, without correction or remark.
8:53:20
